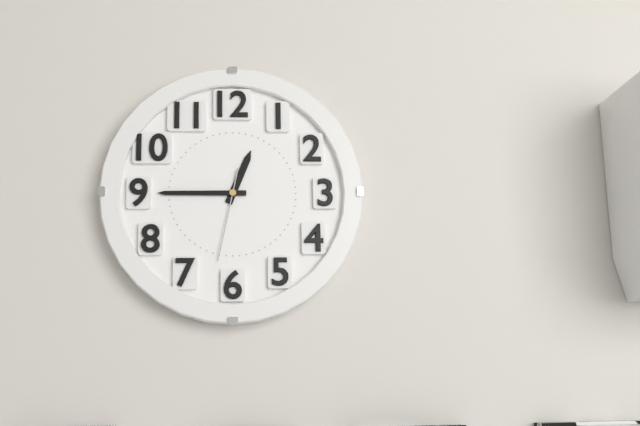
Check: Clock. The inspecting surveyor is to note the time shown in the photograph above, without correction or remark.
12:45:32
